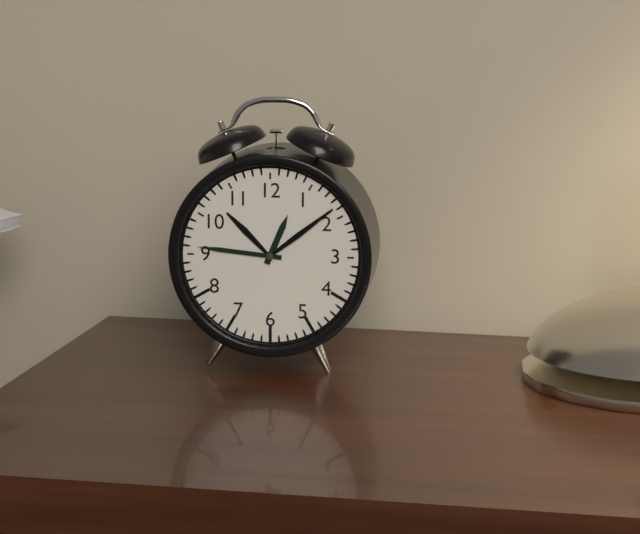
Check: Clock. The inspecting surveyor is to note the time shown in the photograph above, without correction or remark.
12:46
